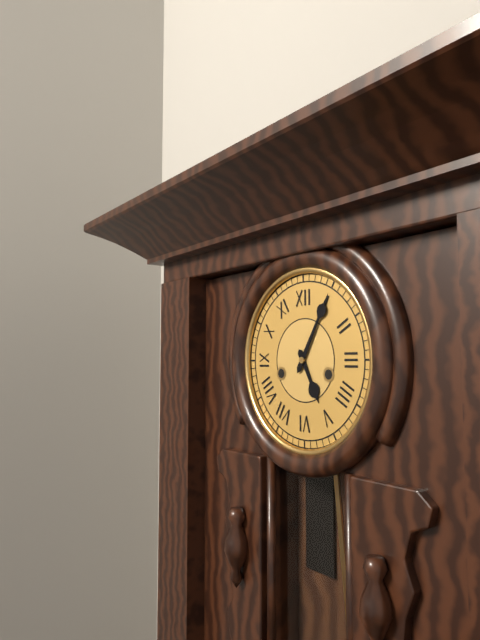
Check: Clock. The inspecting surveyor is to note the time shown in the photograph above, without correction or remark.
5:05
